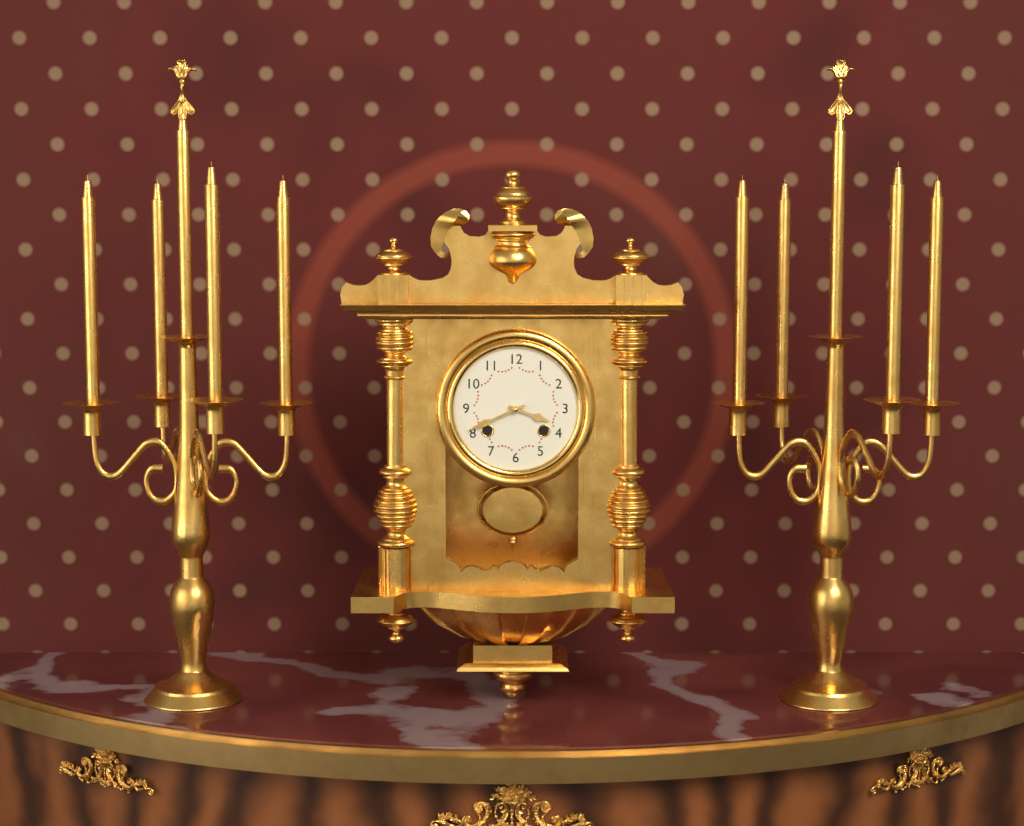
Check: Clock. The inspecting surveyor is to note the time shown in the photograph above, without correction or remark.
3:41
